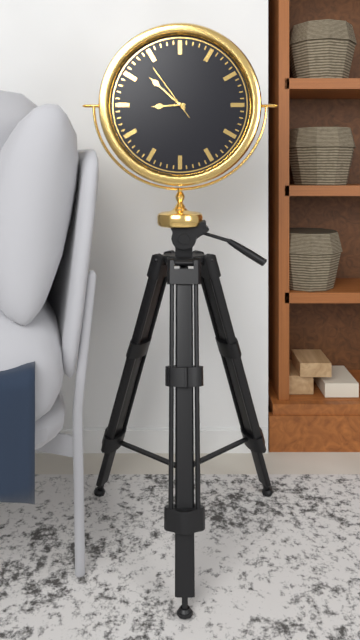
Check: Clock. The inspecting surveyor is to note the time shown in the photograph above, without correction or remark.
8:52:54
